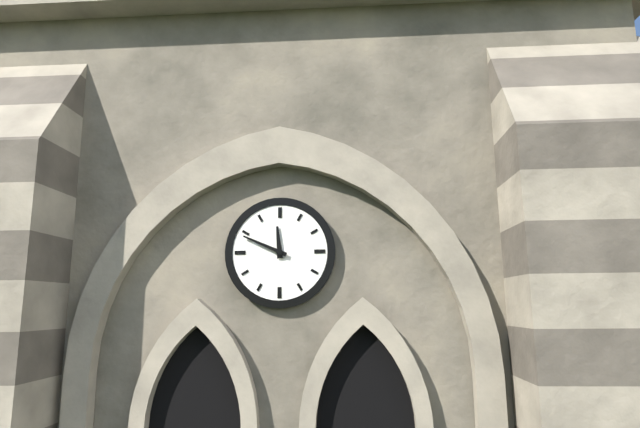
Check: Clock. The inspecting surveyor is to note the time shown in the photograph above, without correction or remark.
11:49
